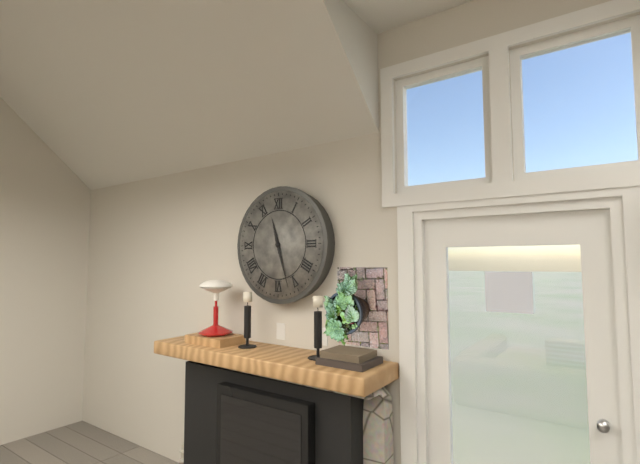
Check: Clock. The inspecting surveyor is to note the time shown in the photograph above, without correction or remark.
11:27
